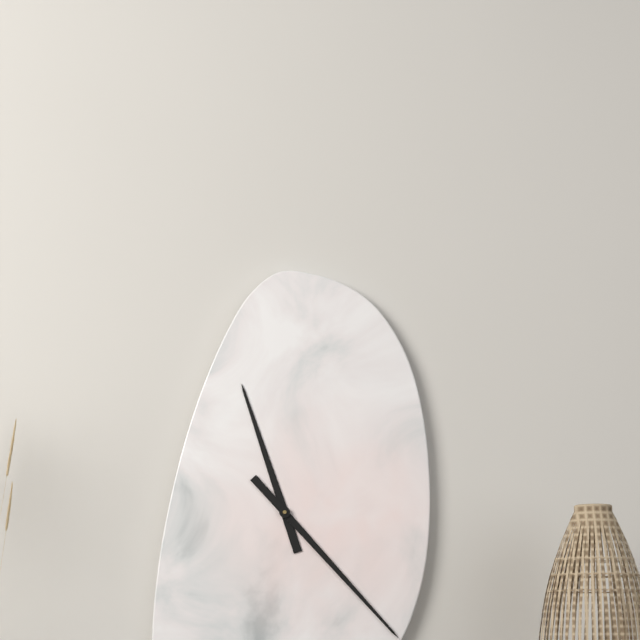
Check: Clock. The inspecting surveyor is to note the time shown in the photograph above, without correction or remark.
11:23
